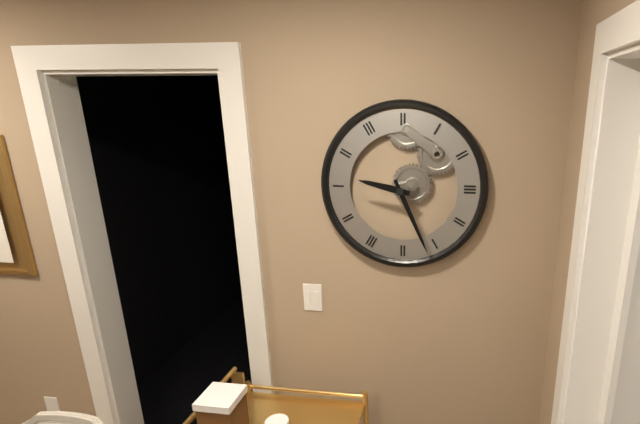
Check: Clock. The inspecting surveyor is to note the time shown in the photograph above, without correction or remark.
9:26
